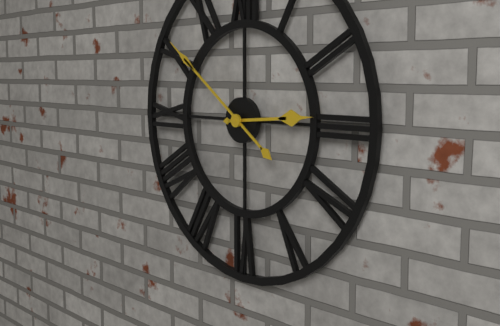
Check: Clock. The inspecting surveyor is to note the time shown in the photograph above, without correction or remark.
2:51
